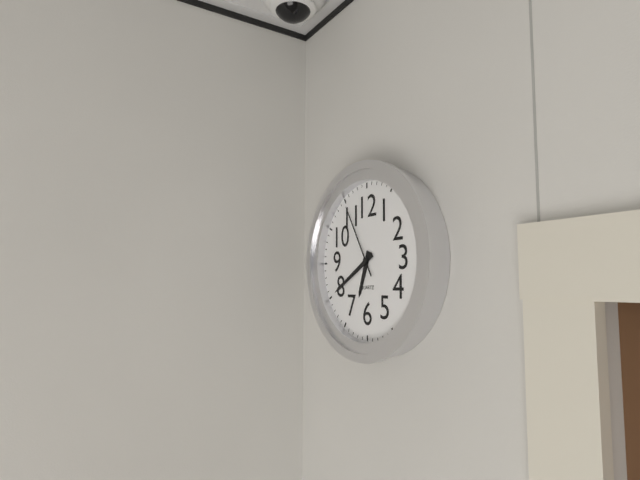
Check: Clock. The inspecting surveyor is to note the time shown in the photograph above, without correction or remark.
6:40:55
